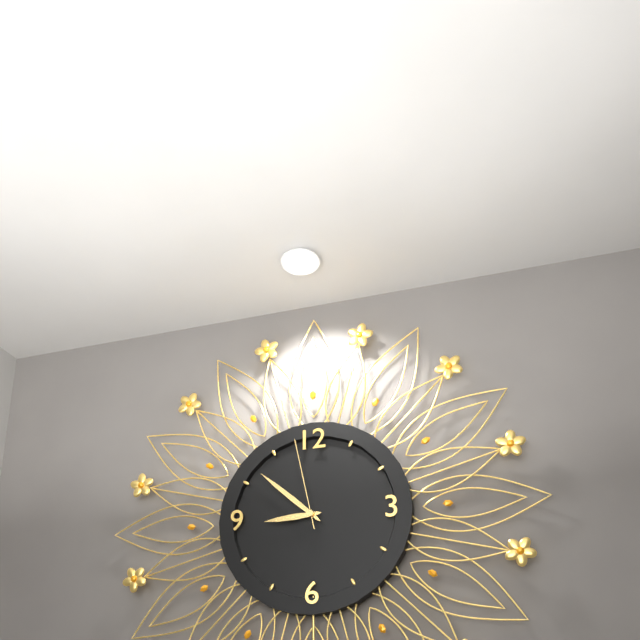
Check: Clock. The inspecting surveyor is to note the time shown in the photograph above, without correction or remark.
8:52:58
